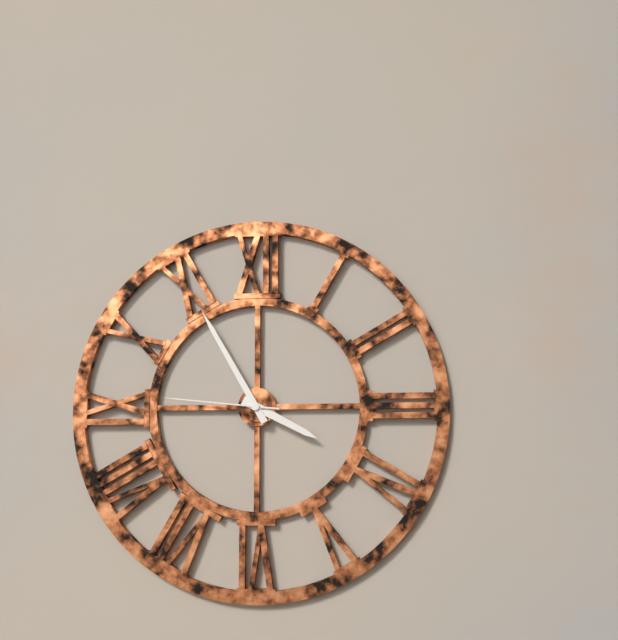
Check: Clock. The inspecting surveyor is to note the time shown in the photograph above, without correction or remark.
3:55:46
